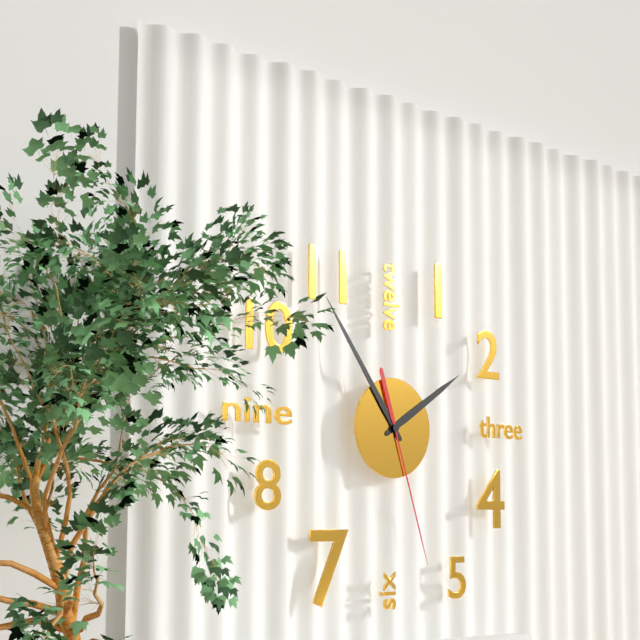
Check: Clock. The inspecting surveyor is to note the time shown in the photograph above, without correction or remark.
1:54:27
